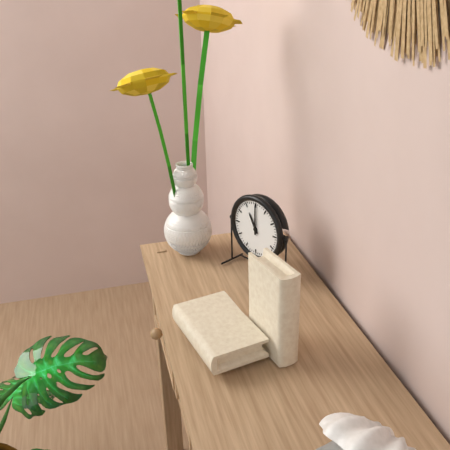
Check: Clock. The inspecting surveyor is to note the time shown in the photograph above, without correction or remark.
11:00
